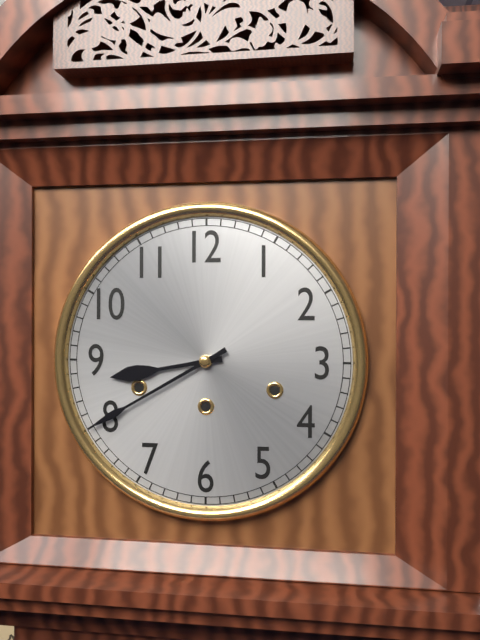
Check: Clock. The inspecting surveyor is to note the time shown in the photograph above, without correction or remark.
8:40
